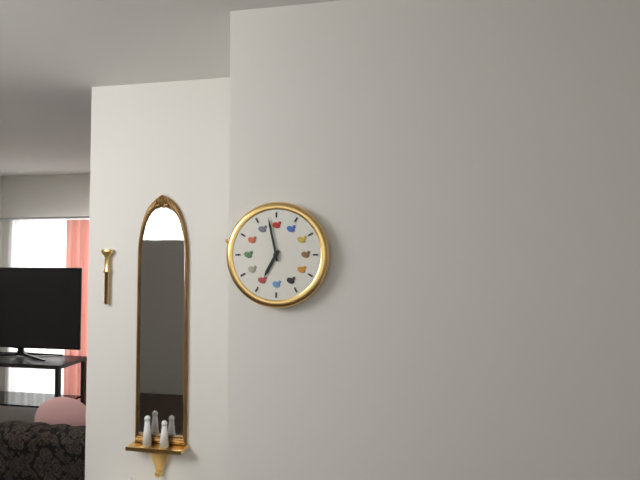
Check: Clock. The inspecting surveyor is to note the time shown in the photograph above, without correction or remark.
6:58
